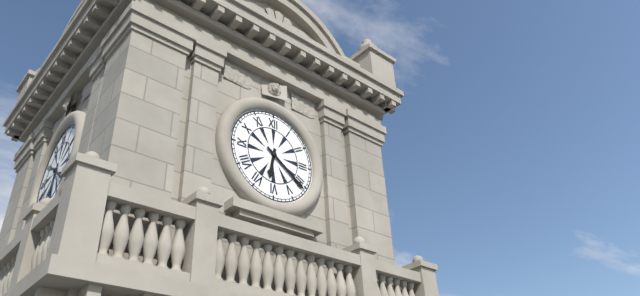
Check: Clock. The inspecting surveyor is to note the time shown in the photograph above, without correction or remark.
6:21
